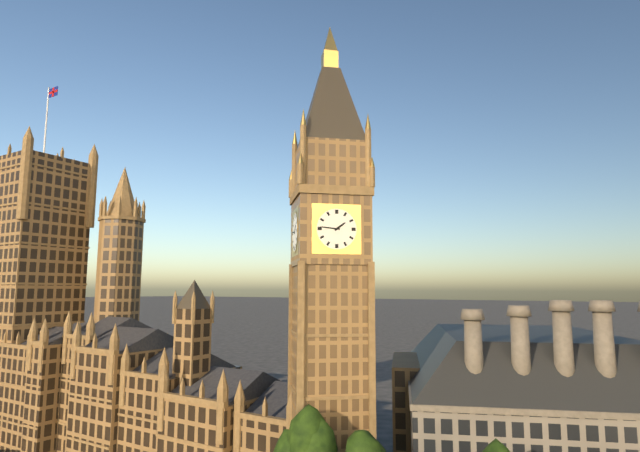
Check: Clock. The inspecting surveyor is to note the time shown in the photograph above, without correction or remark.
1:46
